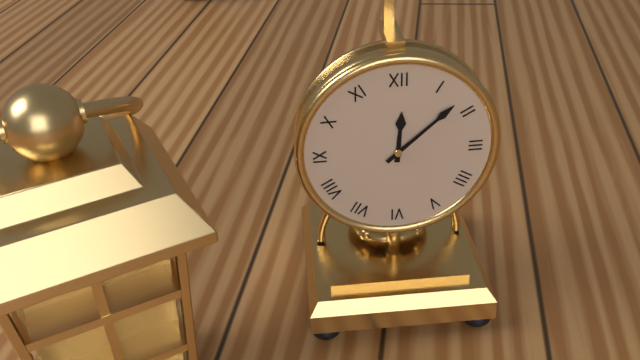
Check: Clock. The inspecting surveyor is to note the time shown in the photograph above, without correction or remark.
12:08
